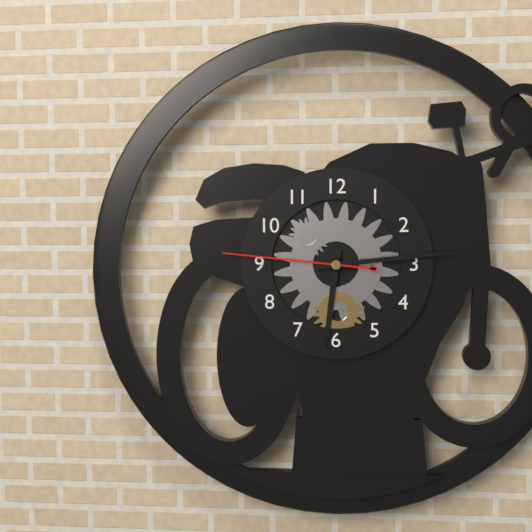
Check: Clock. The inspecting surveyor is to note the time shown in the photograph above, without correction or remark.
6:14:46
